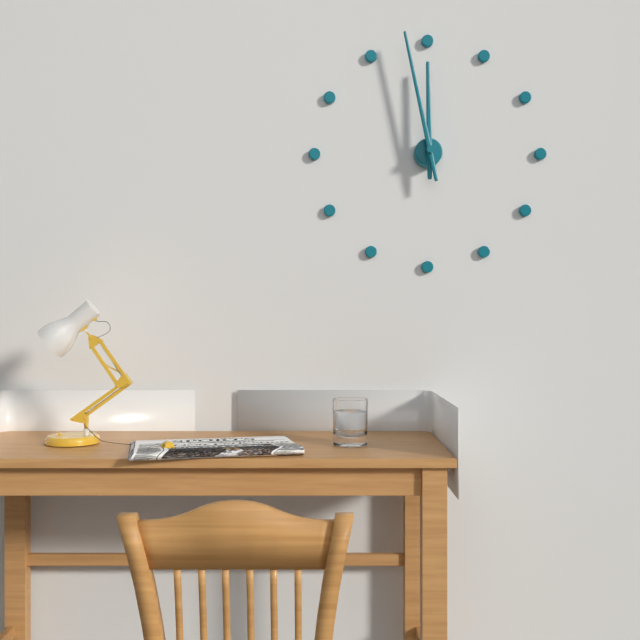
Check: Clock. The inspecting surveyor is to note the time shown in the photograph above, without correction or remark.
11:58
